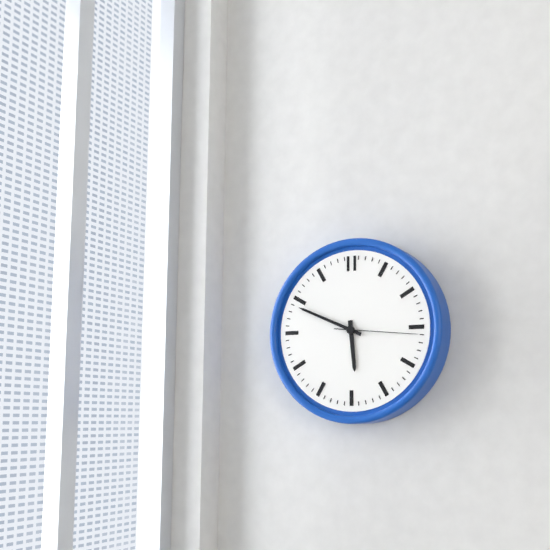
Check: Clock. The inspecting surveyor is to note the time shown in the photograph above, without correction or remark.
5:49:16
